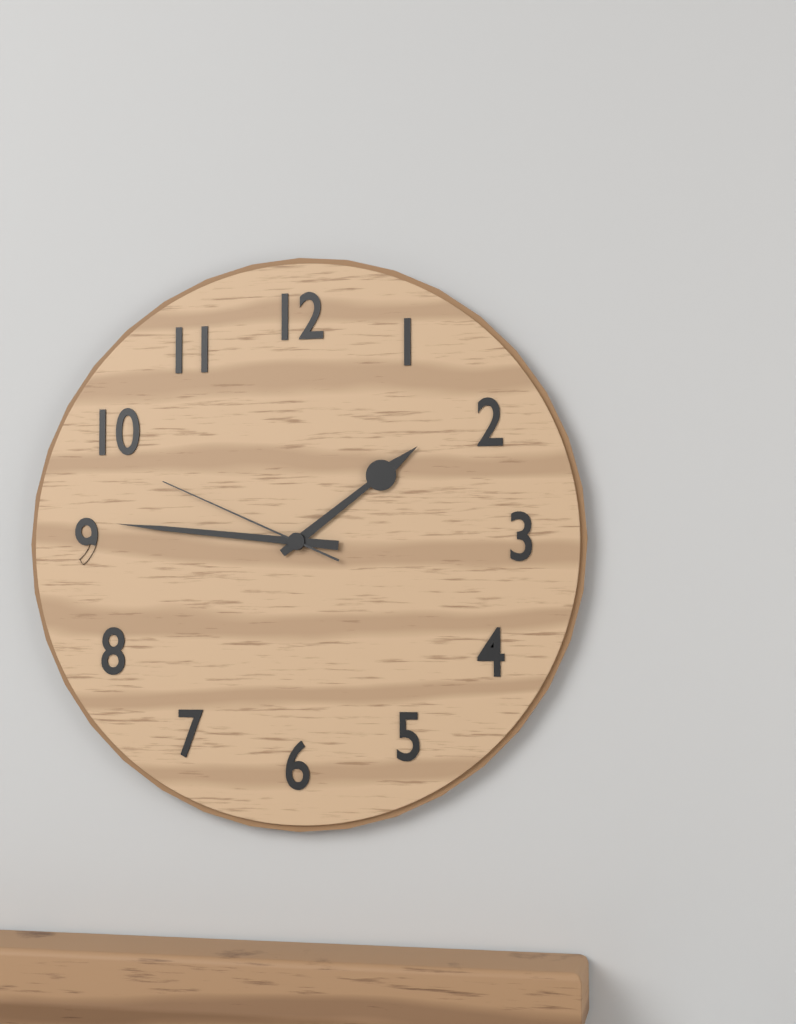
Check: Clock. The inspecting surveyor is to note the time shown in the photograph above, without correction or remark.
1:46:49
